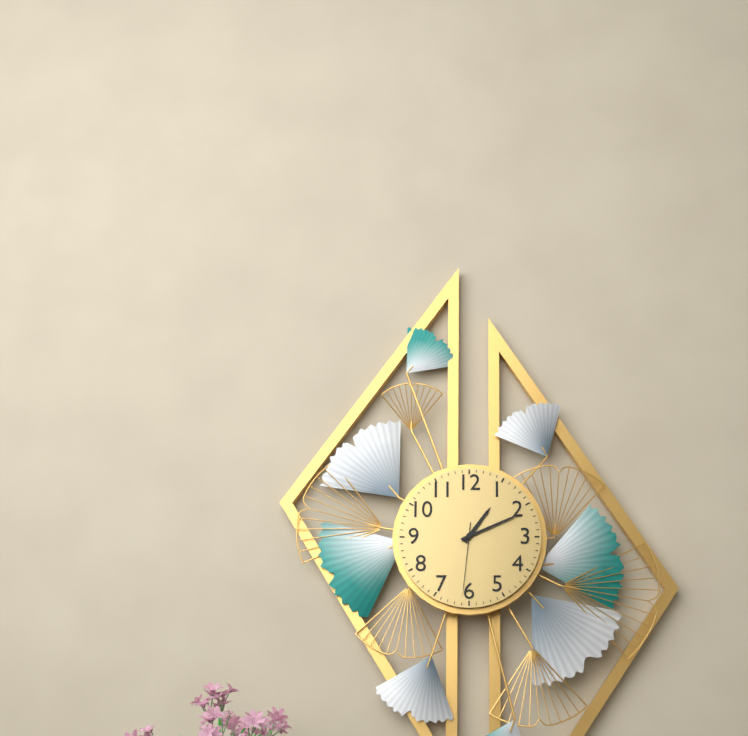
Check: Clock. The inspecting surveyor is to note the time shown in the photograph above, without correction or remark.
1:11:31
